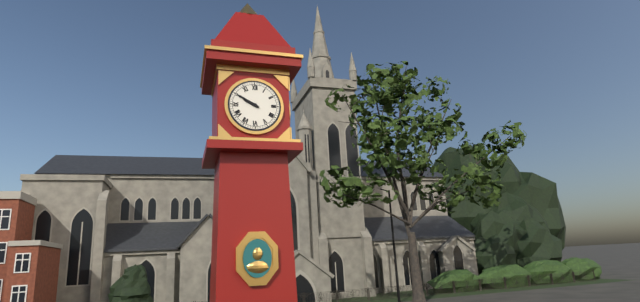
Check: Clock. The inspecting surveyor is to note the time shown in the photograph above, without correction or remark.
9:50
